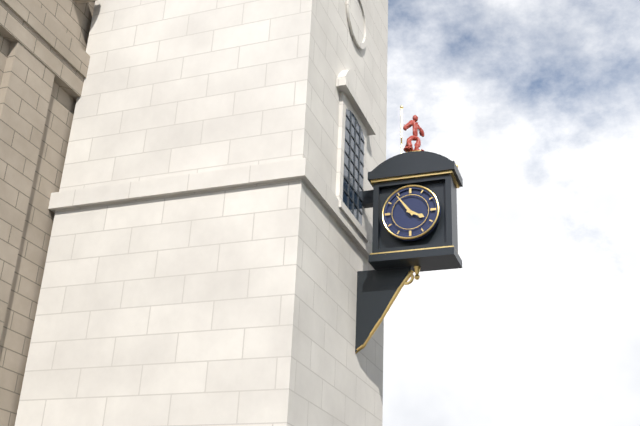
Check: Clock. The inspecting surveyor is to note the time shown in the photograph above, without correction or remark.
3:54
